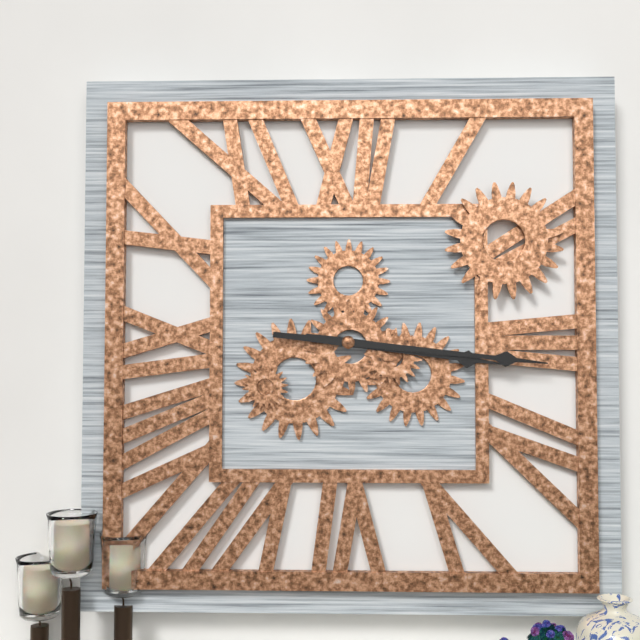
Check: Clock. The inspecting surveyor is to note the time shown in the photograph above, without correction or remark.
3:16
